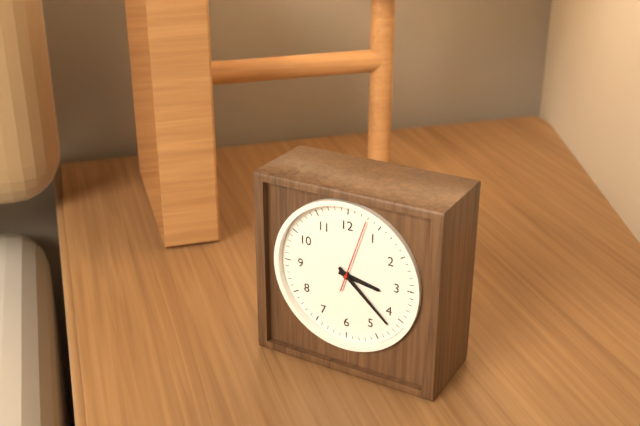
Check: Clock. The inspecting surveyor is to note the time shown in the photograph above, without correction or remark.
3:22:03
